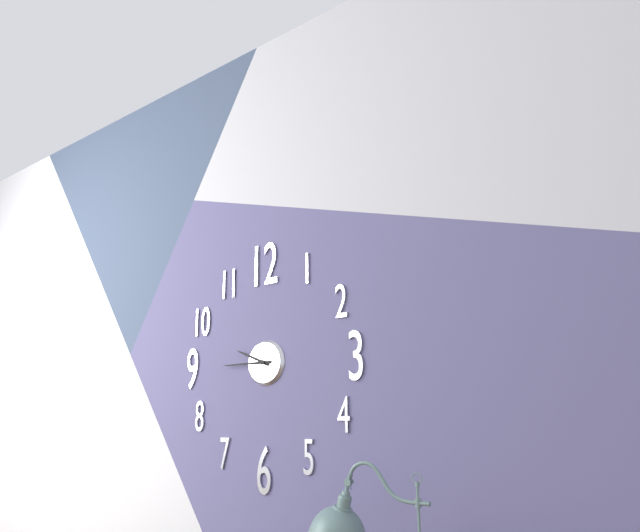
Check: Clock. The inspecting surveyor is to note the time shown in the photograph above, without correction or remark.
9:45
